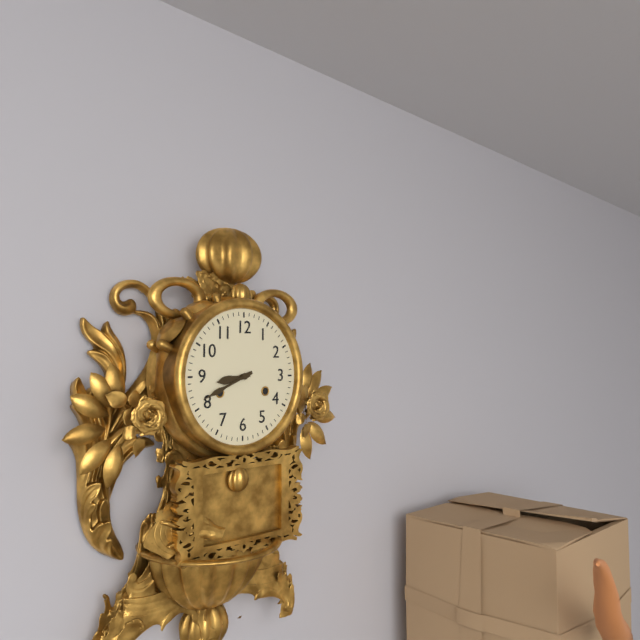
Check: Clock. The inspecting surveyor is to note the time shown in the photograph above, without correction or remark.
8:41
